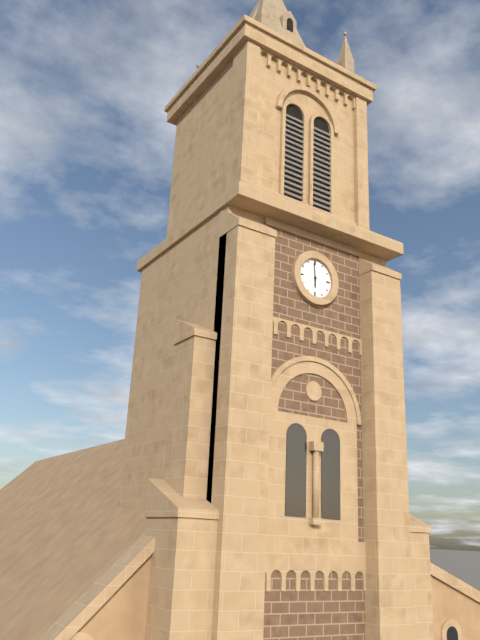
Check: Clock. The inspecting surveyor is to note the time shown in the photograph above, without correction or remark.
5:59
